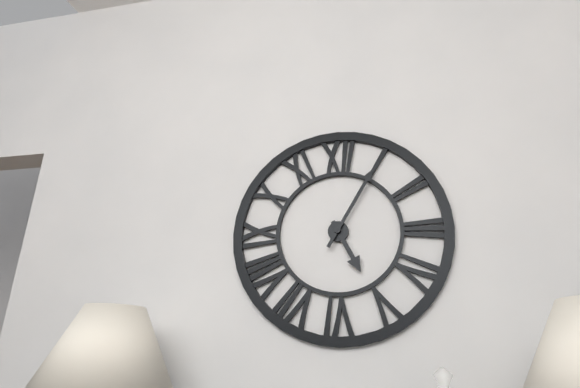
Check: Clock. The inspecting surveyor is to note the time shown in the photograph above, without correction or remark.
5:05
